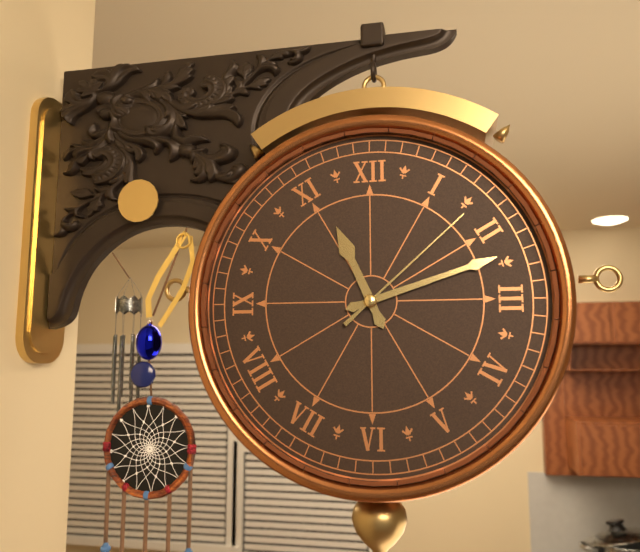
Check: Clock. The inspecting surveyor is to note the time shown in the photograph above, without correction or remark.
11:12:08
